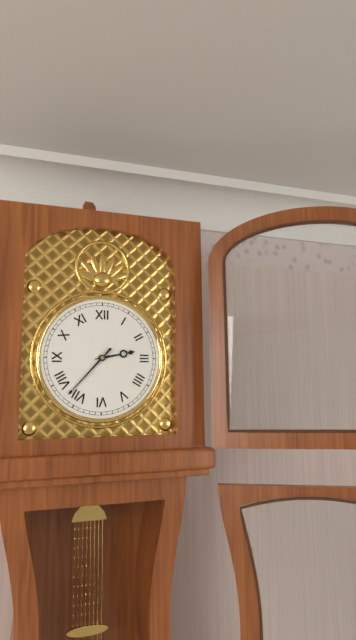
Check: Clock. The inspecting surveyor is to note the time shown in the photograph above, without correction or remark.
2:37
